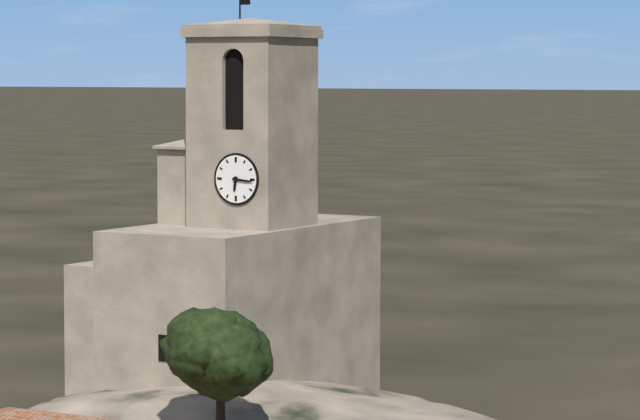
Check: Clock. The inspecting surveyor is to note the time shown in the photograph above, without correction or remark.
6:16
